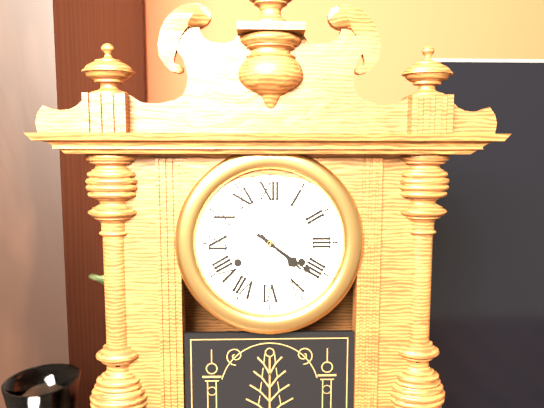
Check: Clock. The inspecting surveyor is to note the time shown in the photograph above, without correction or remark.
4:21
